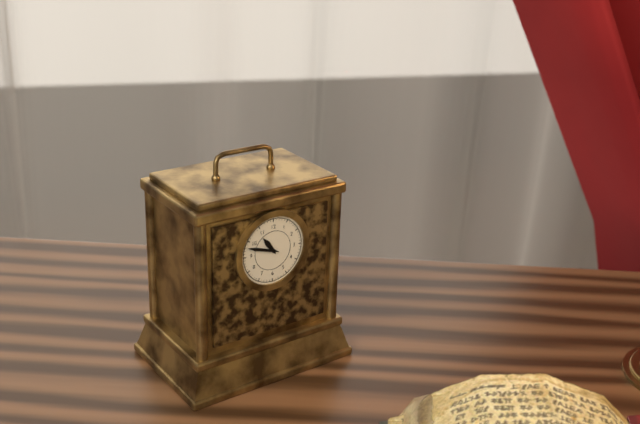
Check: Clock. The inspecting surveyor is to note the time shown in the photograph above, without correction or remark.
10:48
